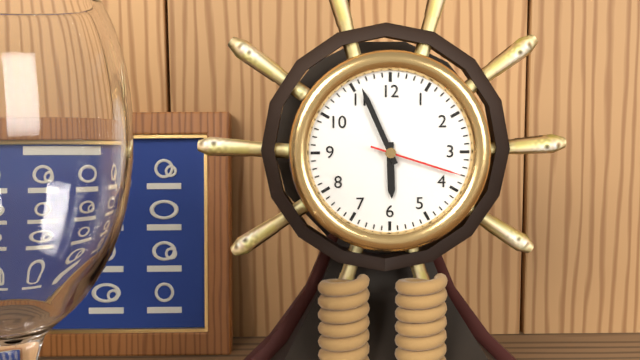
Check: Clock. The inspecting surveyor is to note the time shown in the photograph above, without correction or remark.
5:56:18
